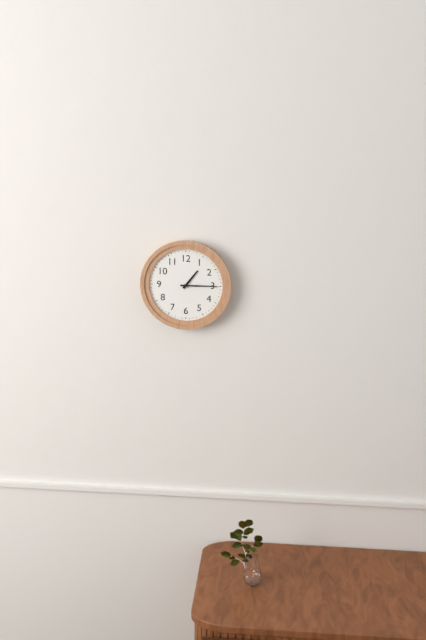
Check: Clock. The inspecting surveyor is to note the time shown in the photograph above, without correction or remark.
1:15
